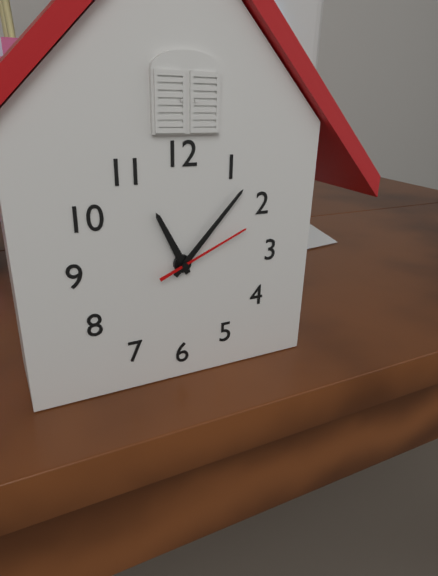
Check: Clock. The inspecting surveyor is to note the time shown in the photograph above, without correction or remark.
11:07:11
